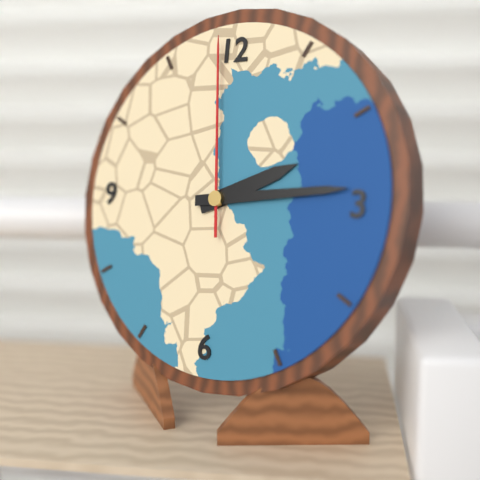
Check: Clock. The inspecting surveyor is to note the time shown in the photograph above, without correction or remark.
2:14:59
